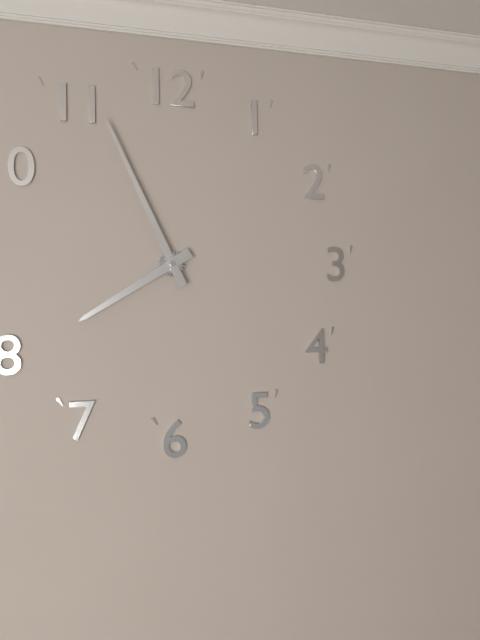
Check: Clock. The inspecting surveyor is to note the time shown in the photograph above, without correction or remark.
7:56
